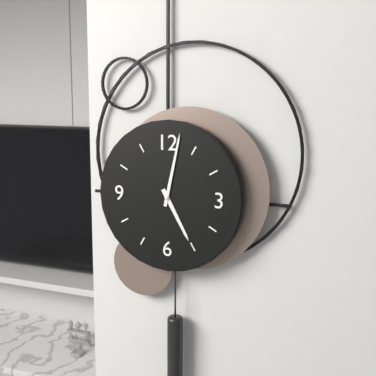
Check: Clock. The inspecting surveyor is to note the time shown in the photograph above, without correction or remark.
5:02
